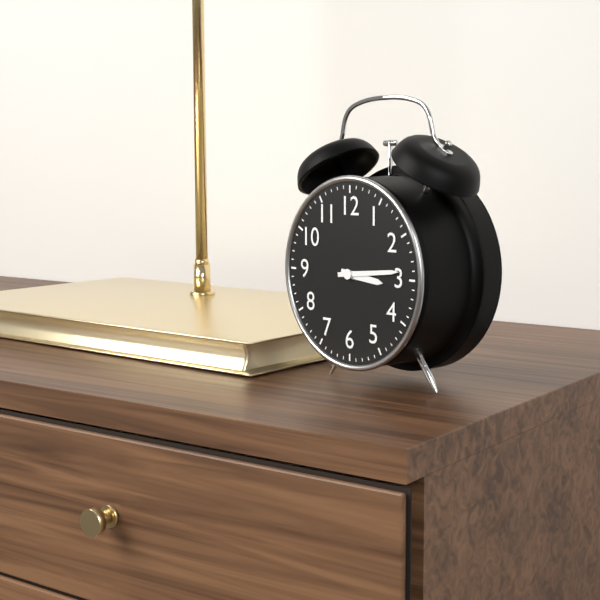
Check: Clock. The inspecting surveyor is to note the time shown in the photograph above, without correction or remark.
3:14
